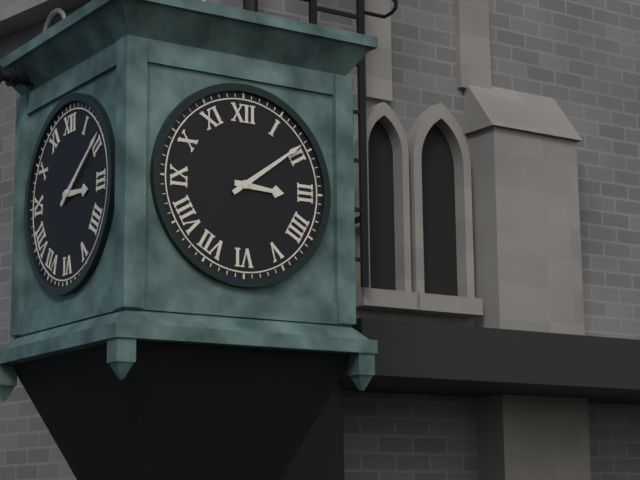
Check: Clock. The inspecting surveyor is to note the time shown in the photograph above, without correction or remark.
3:09
